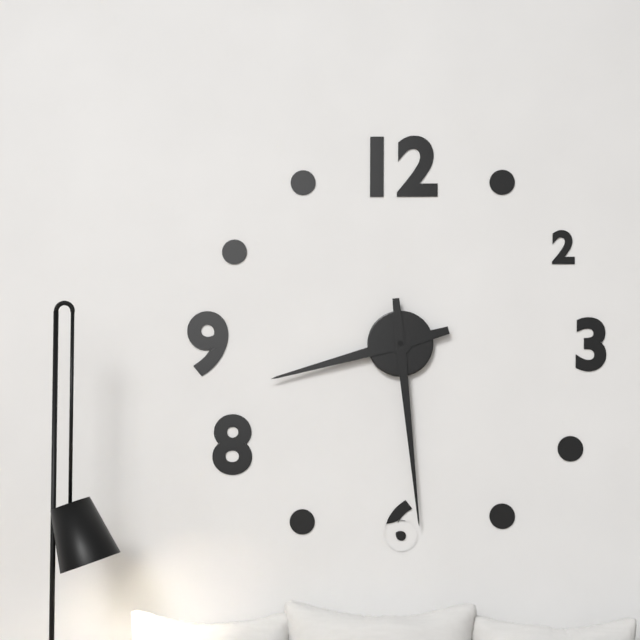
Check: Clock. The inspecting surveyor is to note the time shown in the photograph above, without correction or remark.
8:29
